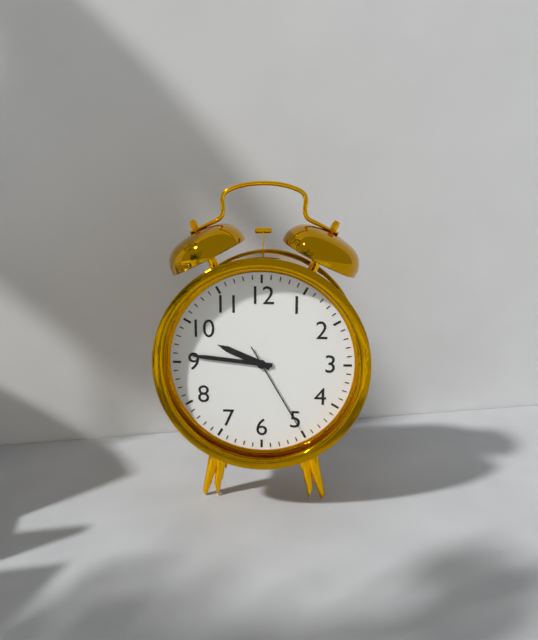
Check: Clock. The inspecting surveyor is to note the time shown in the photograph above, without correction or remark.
9:46:25
